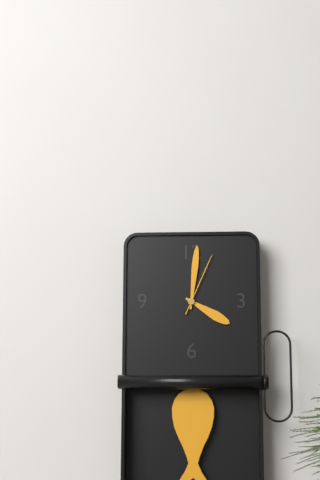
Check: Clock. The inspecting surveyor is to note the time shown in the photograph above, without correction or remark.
4:01:04
